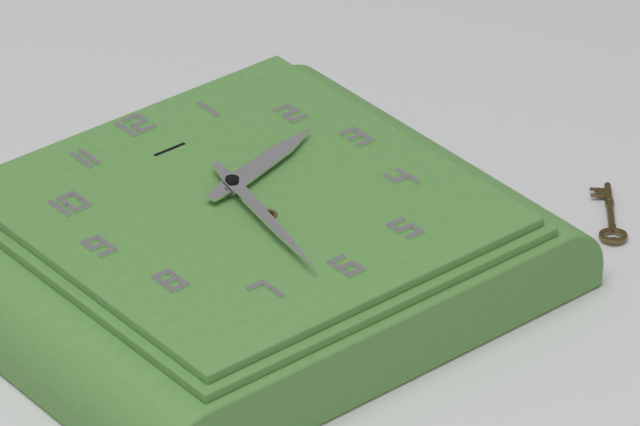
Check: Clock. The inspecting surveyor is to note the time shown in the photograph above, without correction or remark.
2:32
